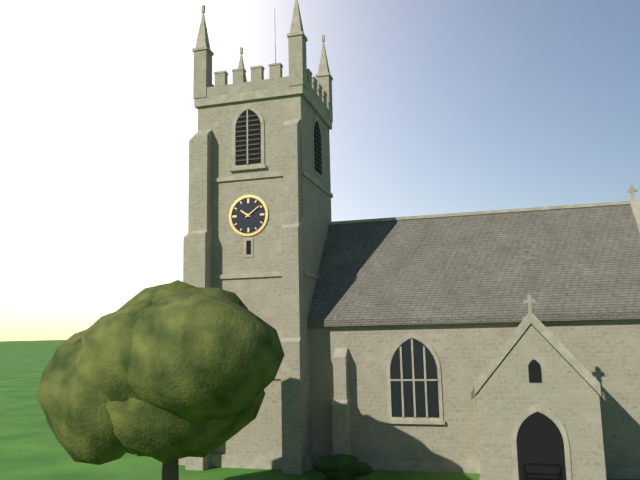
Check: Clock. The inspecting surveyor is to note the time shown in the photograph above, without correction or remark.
10:09
